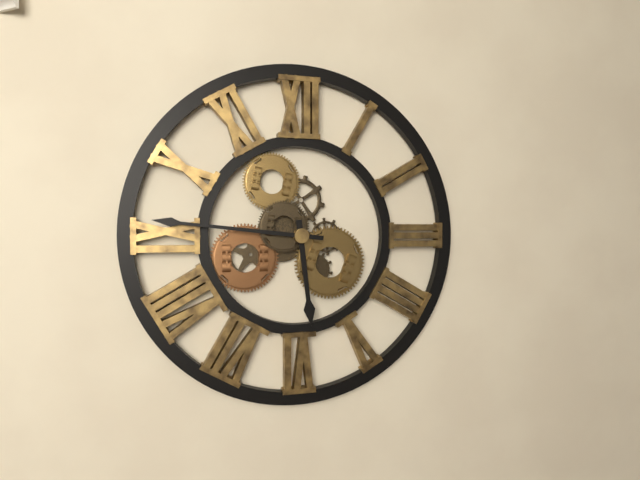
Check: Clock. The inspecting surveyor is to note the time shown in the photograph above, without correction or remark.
5:46
